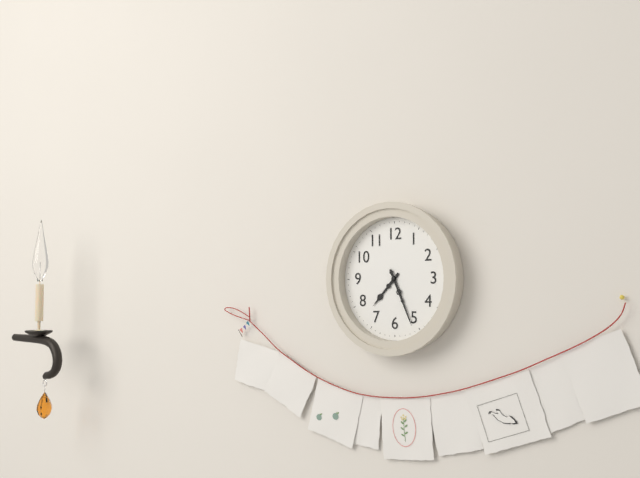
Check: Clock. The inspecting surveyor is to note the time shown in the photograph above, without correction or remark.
7:26
